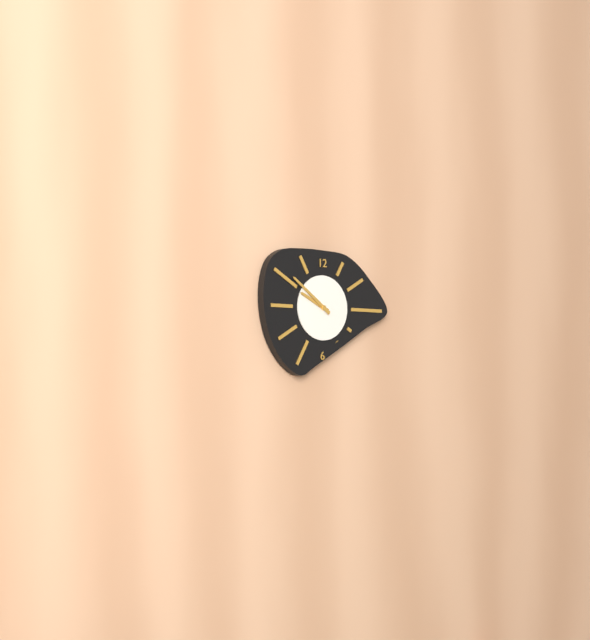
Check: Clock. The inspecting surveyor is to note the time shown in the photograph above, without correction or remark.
9:51
